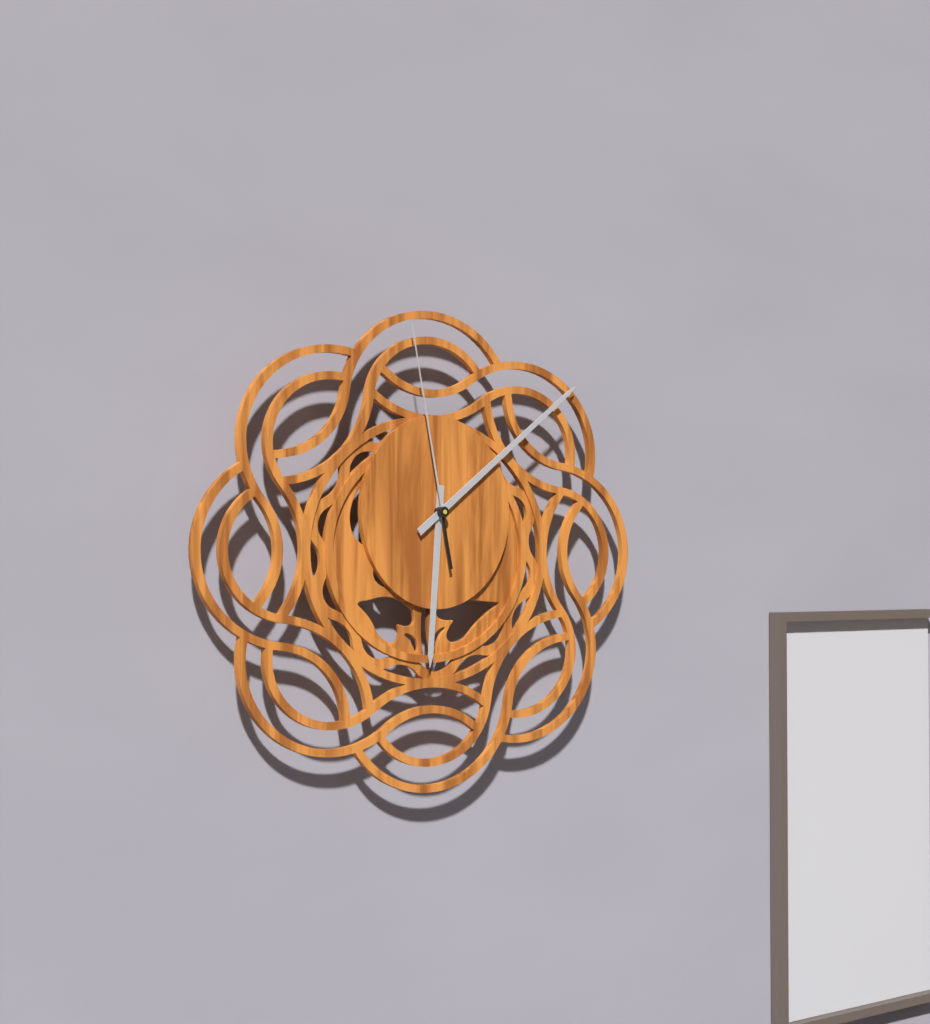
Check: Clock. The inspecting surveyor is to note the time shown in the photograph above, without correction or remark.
6:09:58
